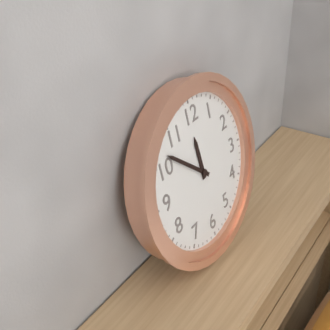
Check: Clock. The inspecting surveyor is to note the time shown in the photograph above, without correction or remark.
11:52
